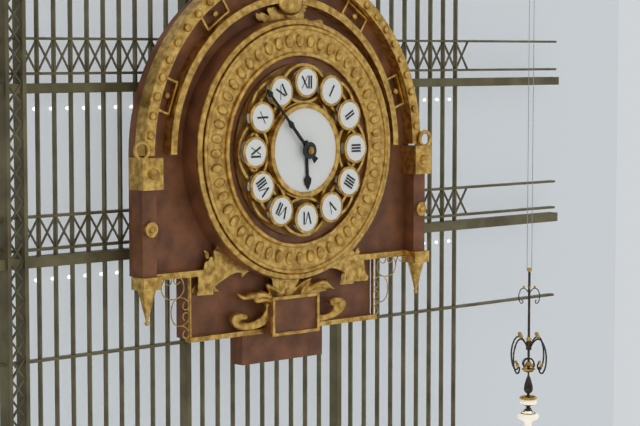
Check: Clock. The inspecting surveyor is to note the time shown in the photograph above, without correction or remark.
5:53
